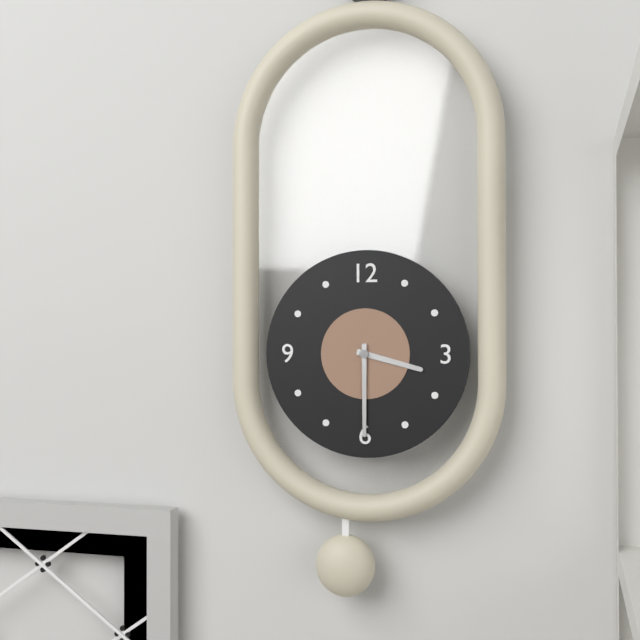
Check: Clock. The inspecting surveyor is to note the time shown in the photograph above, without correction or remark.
3:30
